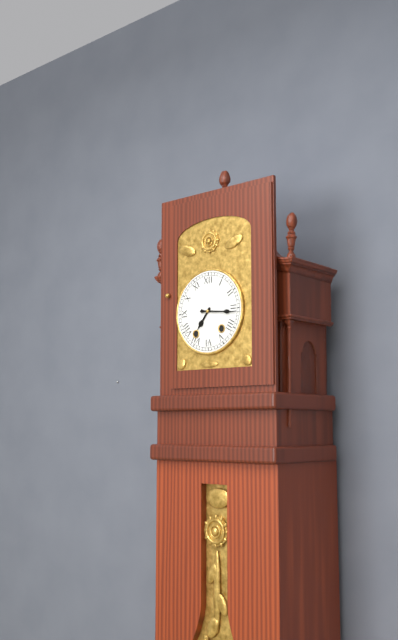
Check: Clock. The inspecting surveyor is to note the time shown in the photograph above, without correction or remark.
7:16
